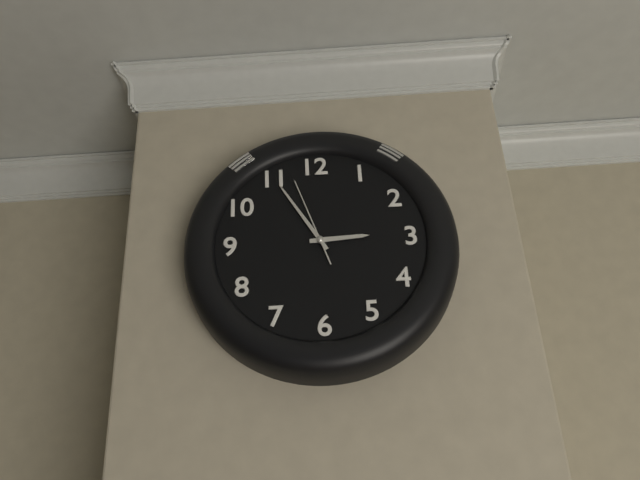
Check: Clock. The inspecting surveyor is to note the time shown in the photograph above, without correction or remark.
2:55:57
